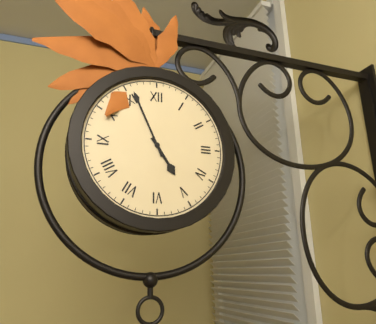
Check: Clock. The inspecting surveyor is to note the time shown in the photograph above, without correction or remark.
4:56
